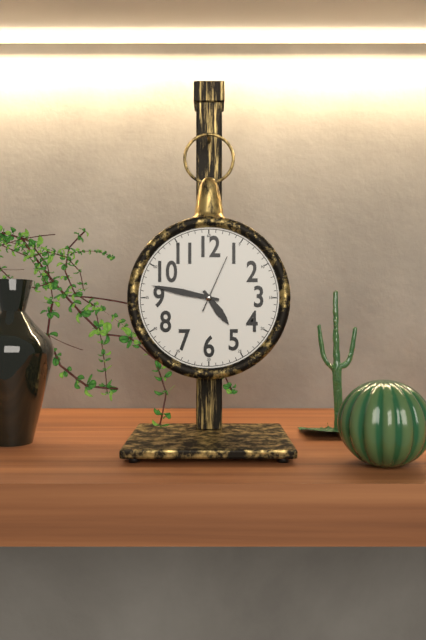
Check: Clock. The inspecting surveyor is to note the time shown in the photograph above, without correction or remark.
4:47:04
